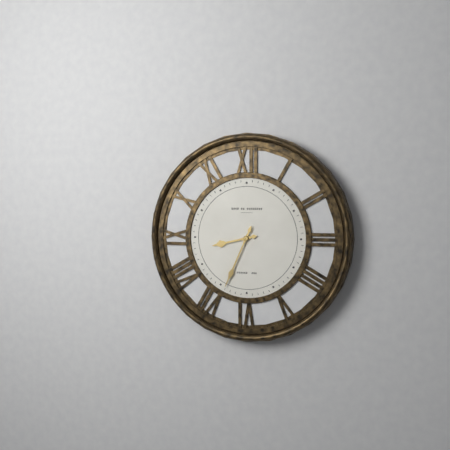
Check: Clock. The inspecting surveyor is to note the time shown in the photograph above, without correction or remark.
8:34
